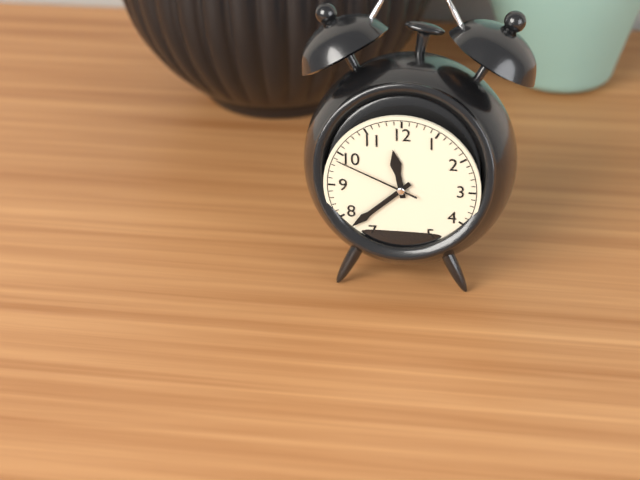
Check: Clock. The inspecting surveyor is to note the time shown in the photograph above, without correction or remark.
11:38:49
